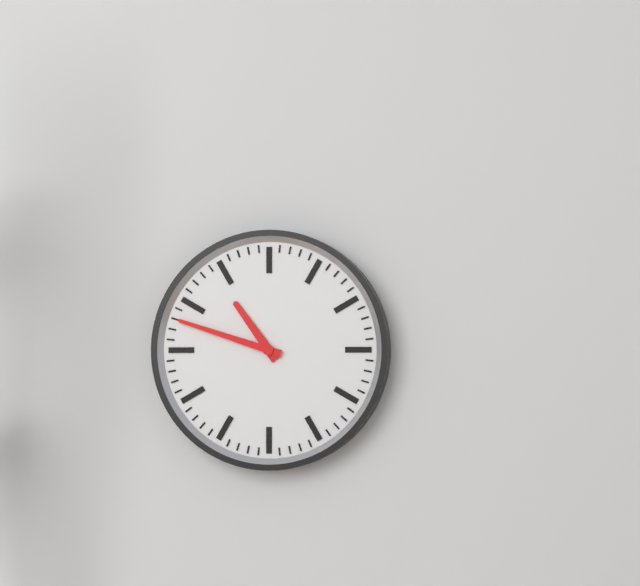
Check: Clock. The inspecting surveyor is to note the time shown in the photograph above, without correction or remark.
10:48
